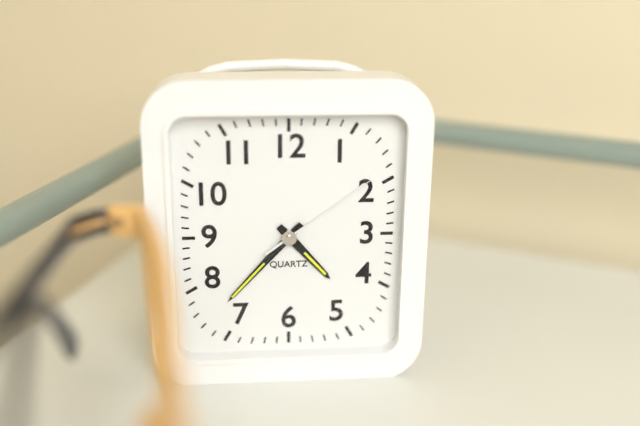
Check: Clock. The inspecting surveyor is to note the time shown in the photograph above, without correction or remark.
4:37:09
